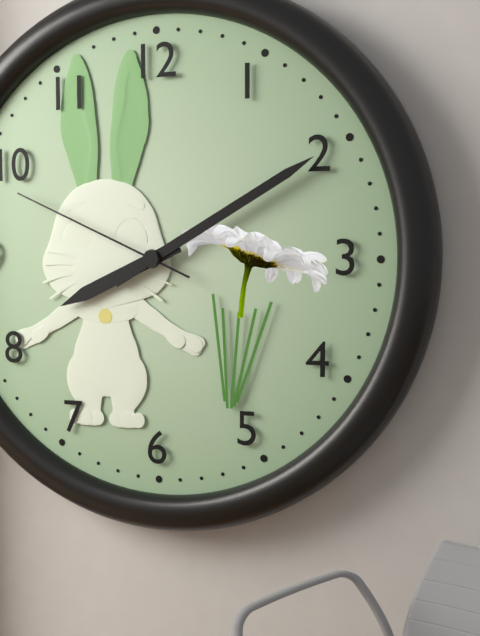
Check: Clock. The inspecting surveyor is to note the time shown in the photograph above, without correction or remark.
8:10:49
